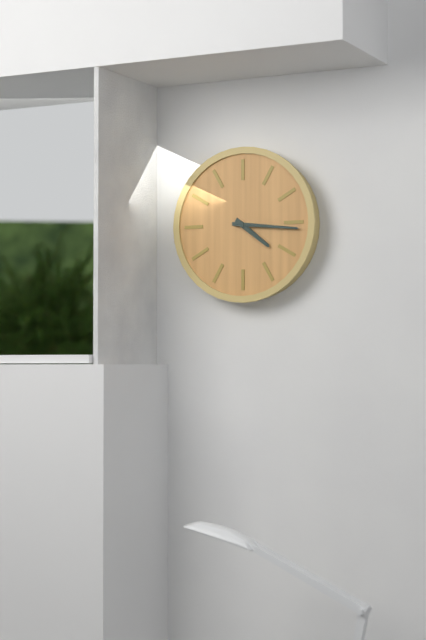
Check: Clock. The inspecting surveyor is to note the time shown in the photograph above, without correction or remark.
4:16
